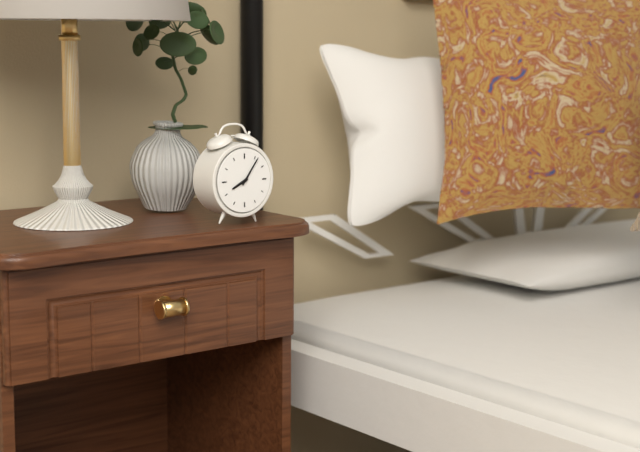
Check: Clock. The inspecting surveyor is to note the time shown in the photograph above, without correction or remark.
8:06
